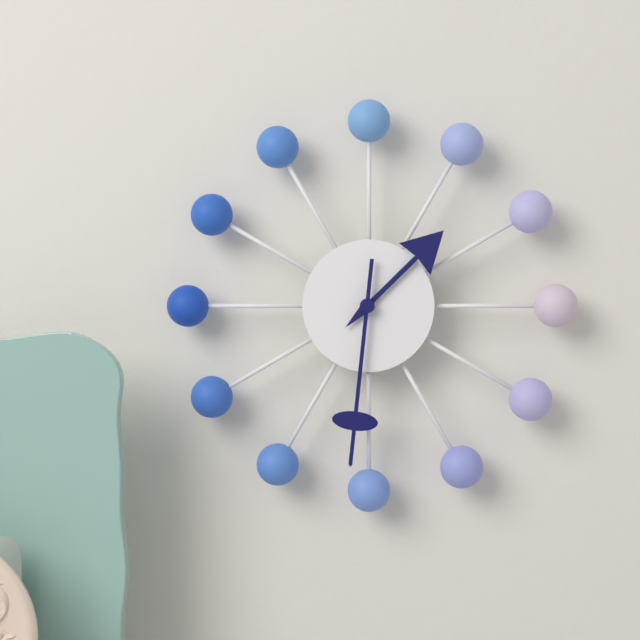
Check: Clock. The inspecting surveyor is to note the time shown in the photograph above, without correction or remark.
1:31
